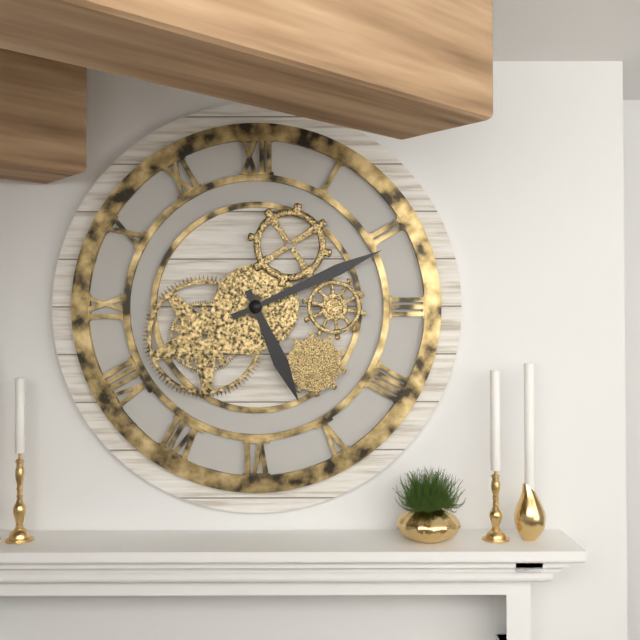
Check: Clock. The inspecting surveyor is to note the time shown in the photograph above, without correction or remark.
5:11
